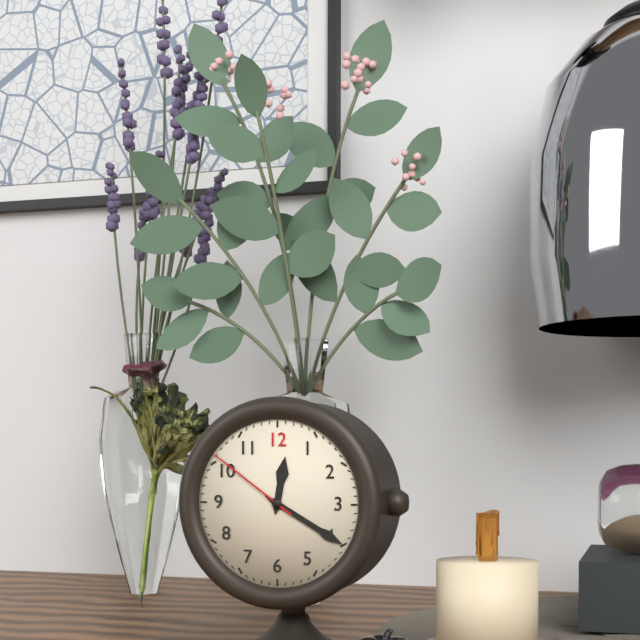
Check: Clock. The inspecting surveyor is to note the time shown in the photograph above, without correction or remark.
12:20:51
